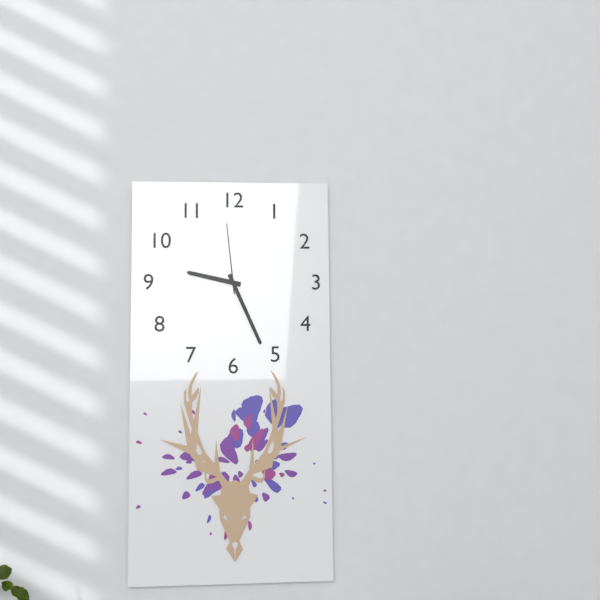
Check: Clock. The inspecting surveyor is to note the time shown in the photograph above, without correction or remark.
9:26:59
